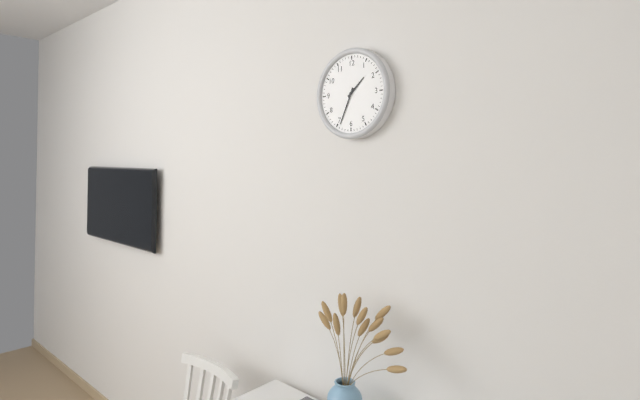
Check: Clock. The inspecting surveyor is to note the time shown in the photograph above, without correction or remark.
1:34
